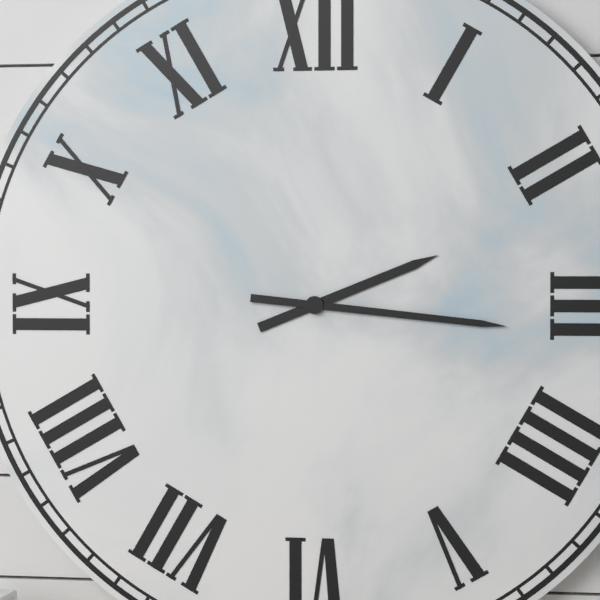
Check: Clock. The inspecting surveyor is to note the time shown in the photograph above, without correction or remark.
2:16
